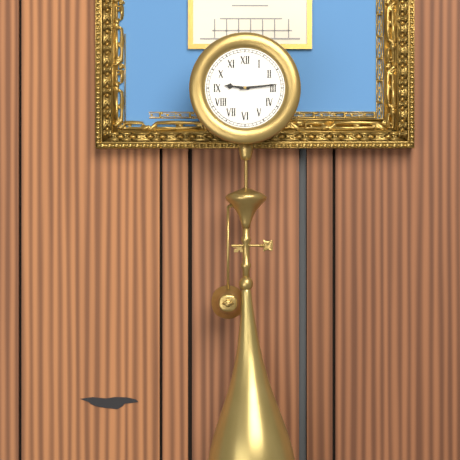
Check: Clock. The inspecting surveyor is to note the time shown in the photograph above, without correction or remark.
9:14
